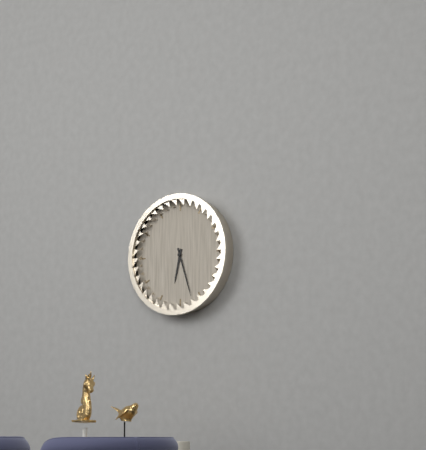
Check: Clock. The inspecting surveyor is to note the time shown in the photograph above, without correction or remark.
6:27
